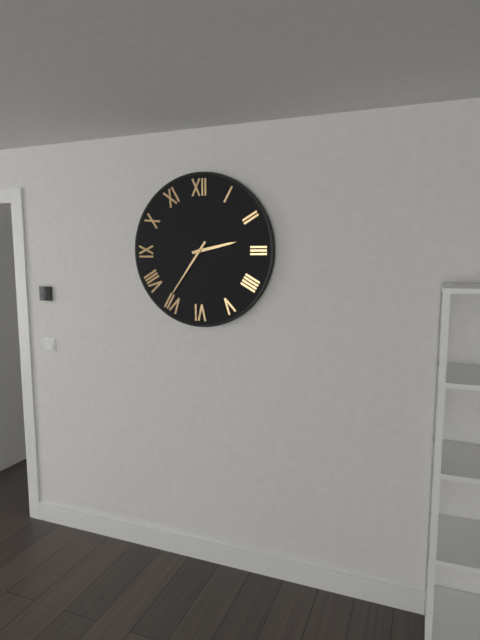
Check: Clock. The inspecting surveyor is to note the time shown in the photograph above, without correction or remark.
2:36
